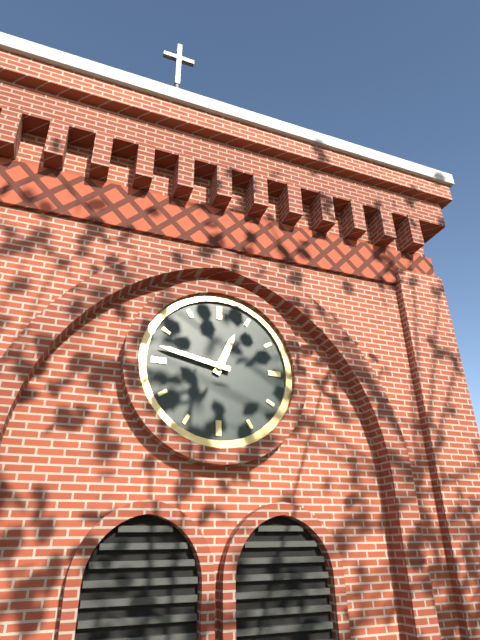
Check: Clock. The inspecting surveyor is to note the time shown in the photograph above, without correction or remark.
12:47
